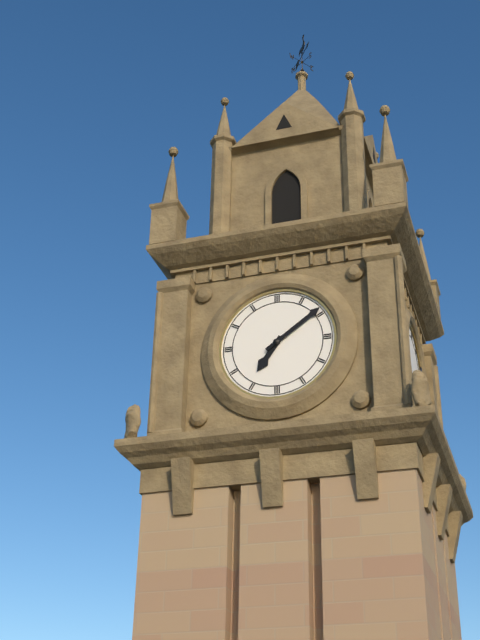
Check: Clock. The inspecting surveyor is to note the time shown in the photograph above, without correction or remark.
7:09
